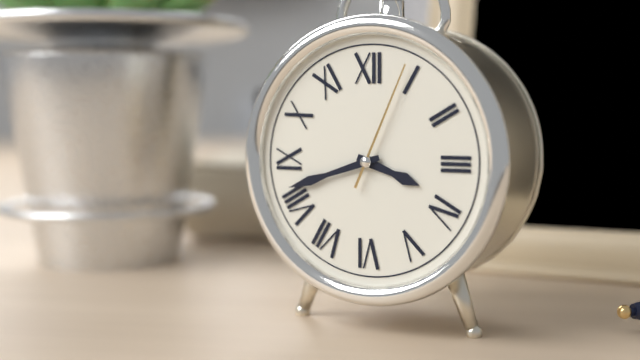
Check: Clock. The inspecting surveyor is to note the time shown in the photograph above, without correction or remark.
3:42:04
